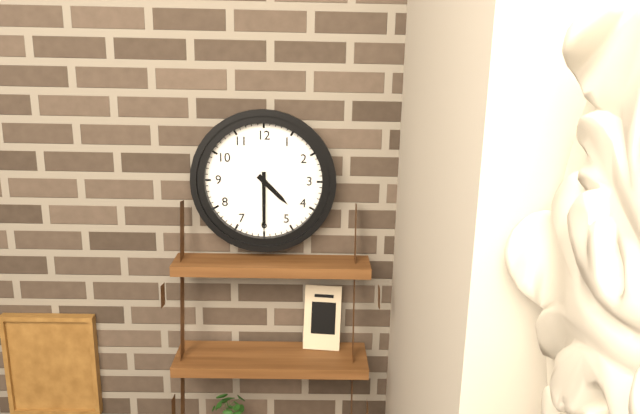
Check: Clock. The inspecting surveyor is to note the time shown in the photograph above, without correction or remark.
4:30
